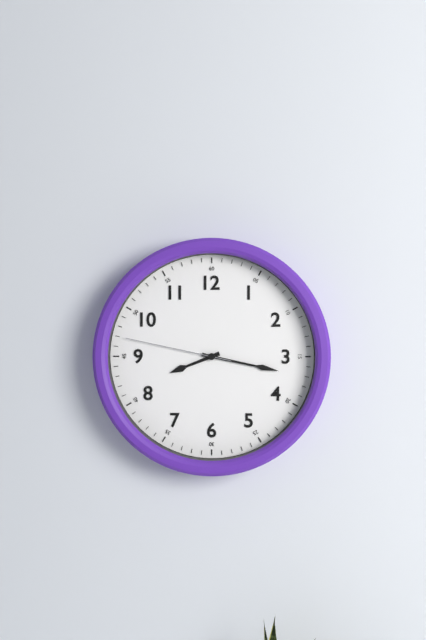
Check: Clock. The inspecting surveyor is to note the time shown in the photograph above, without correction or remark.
8:17:47
